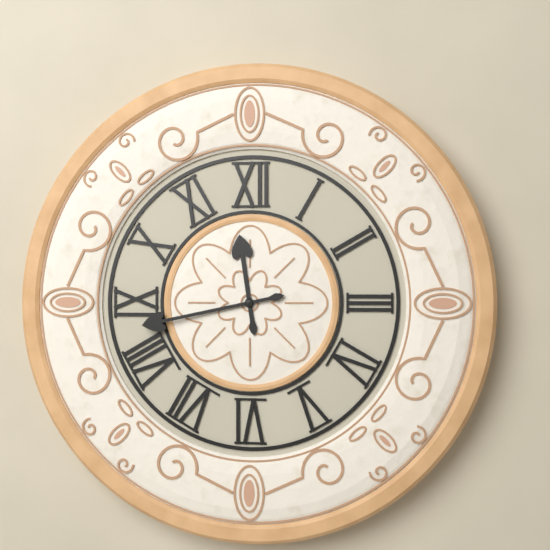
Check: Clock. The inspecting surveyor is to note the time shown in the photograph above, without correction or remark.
11:43
